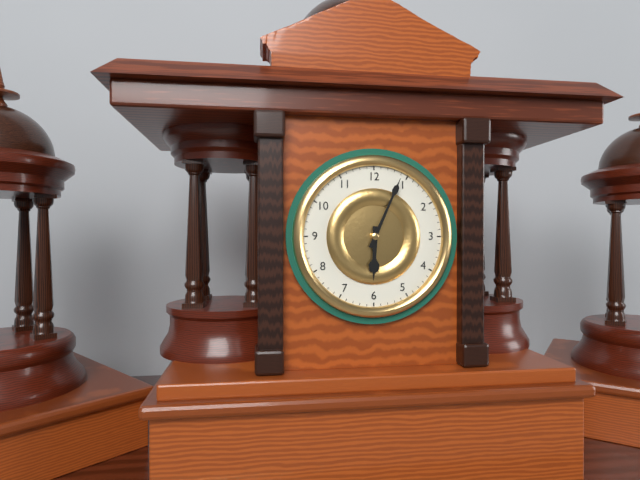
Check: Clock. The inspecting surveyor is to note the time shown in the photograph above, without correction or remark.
6:04
